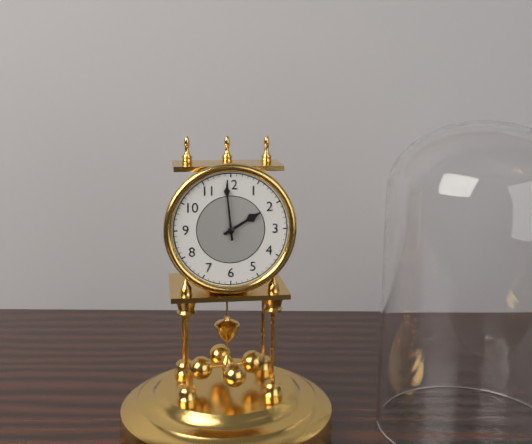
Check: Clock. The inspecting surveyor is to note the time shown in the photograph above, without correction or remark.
1:59
